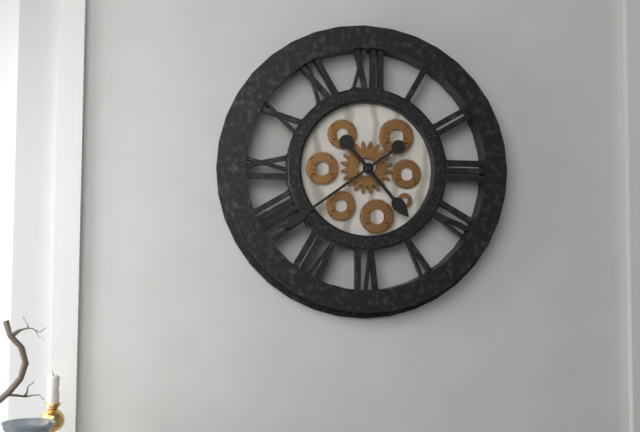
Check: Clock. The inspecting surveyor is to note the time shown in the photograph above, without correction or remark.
4:39
